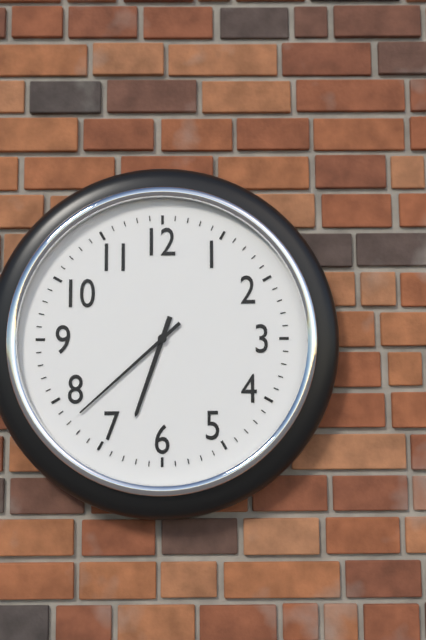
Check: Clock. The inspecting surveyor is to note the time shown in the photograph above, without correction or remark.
6:38
